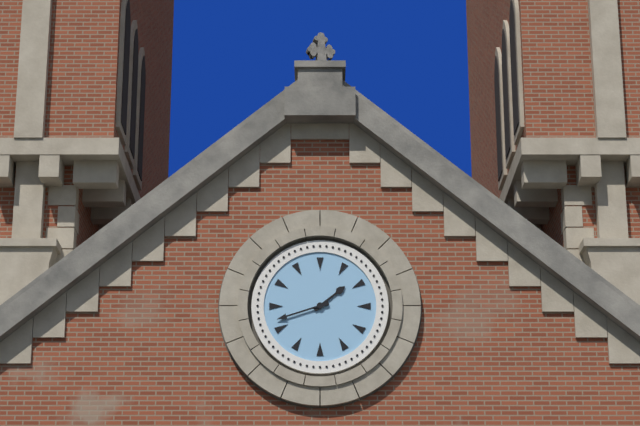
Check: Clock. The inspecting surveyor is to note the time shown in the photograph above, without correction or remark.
1:42
